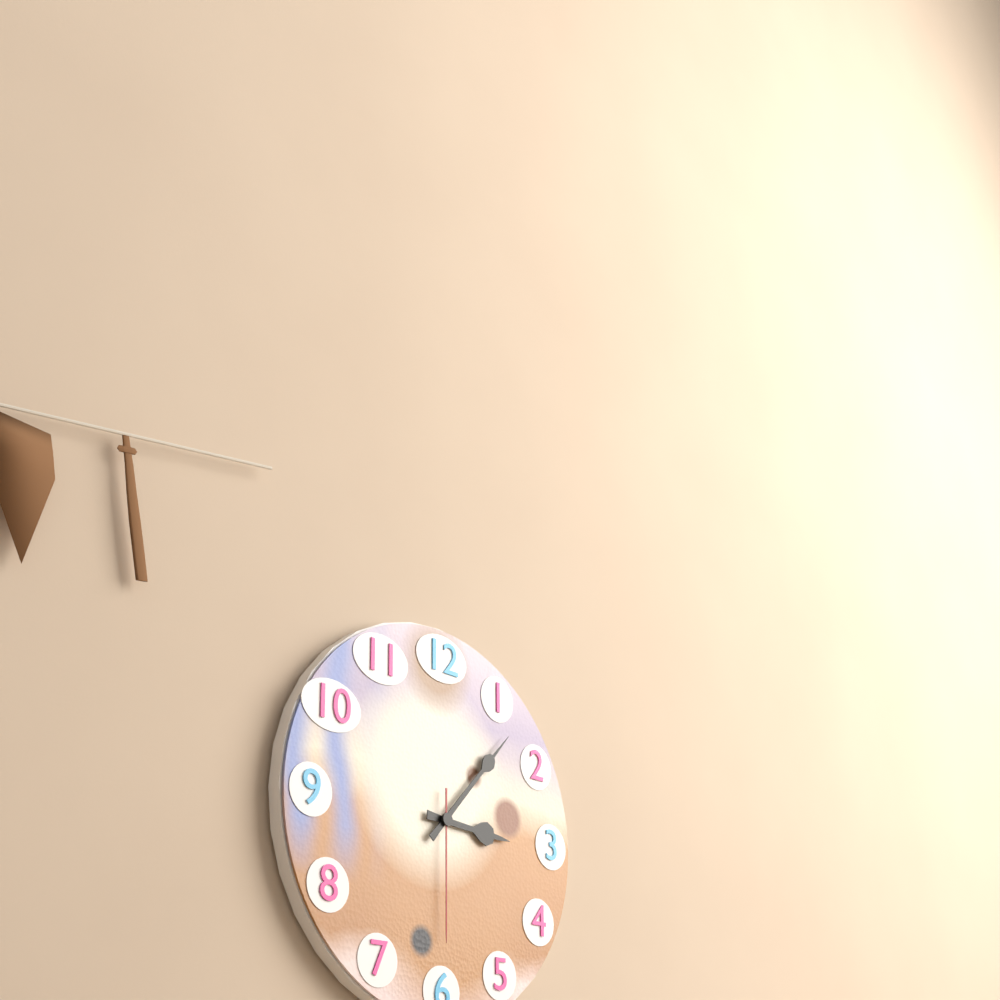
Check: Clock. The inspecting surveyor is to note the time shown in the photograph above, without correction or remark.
3:07:30
